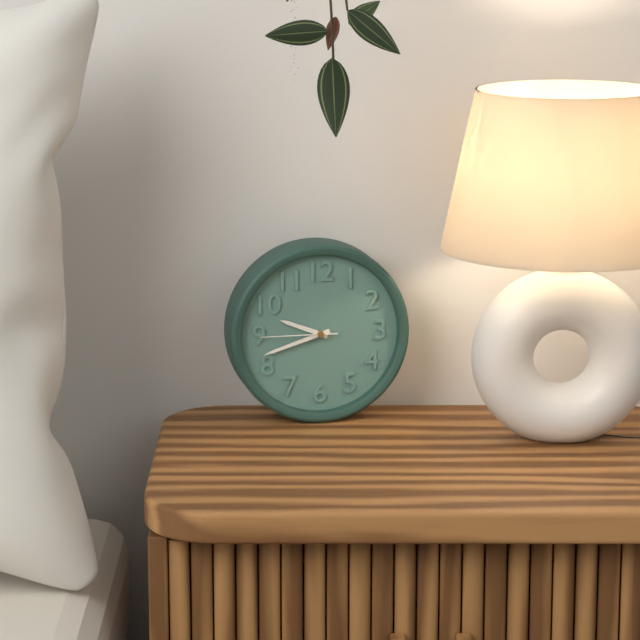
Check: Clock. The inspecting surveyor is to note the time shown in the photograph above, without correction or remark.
9:42:45
